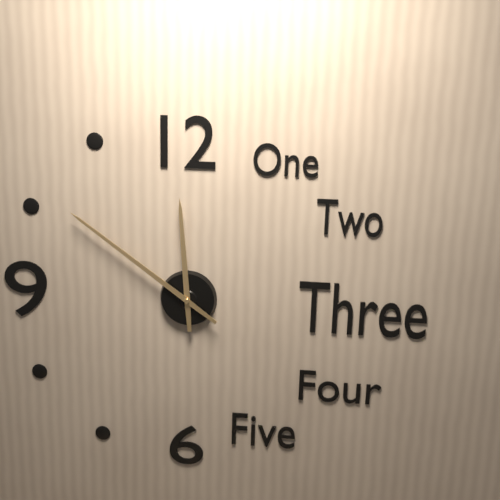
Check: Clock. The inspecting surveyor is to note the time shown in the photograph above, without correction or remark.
11:51
